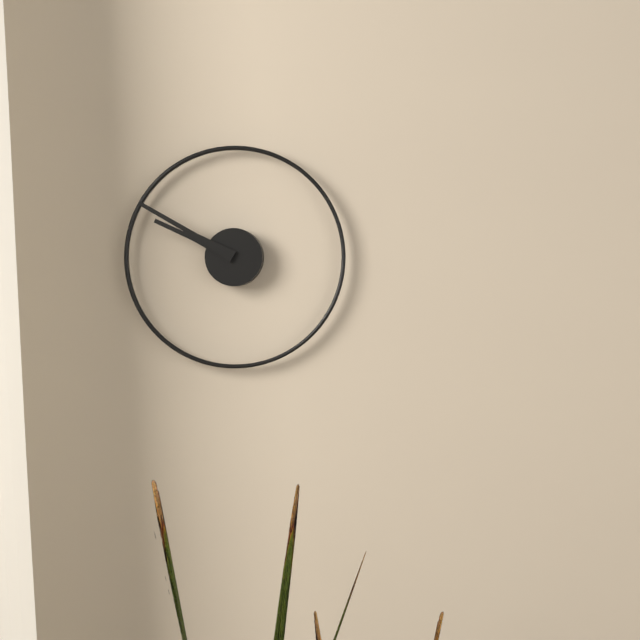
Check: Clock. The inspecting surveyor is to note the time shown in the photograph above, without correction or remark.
9:50
